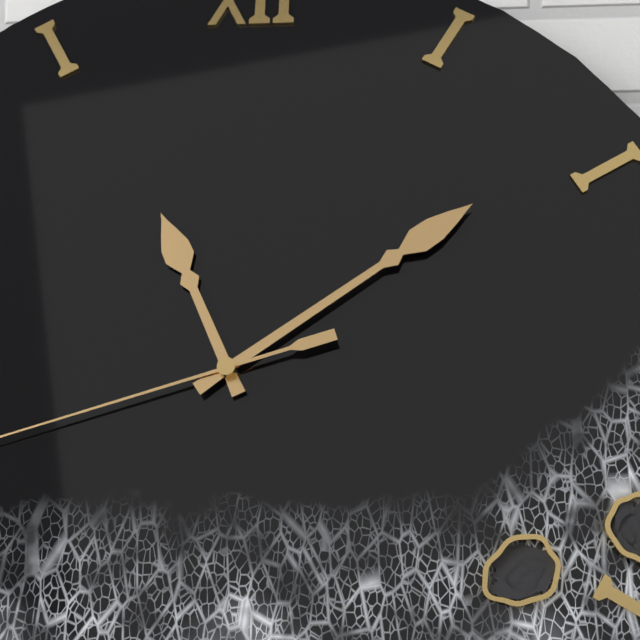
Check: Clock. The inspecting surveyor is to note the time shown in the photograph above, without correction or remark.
11:09
